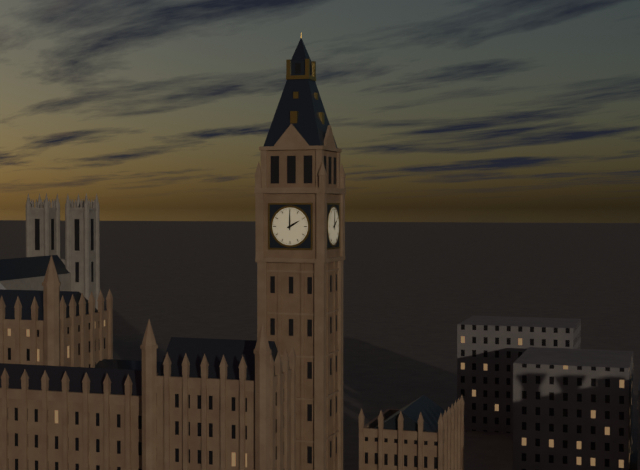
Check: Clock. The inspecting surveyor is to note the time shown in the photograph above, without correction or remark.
2:00
